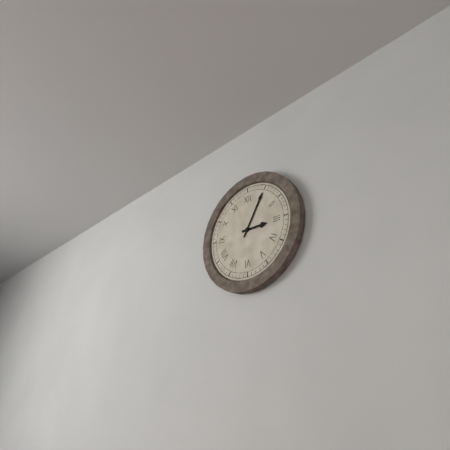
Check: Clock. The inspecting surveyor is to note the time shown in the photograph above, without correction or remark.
3:05
